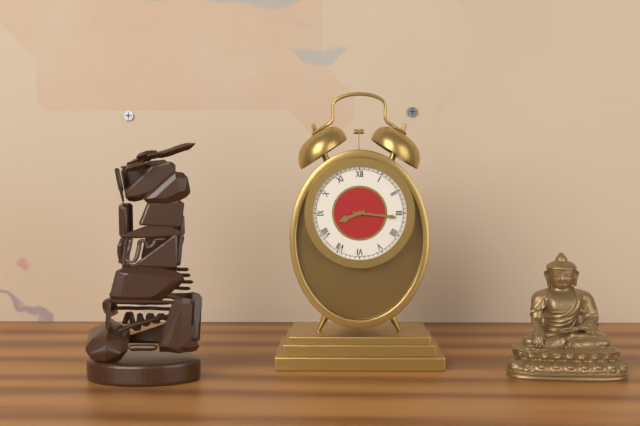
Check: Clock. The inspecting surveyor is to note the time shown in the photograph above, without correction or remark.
8:16
